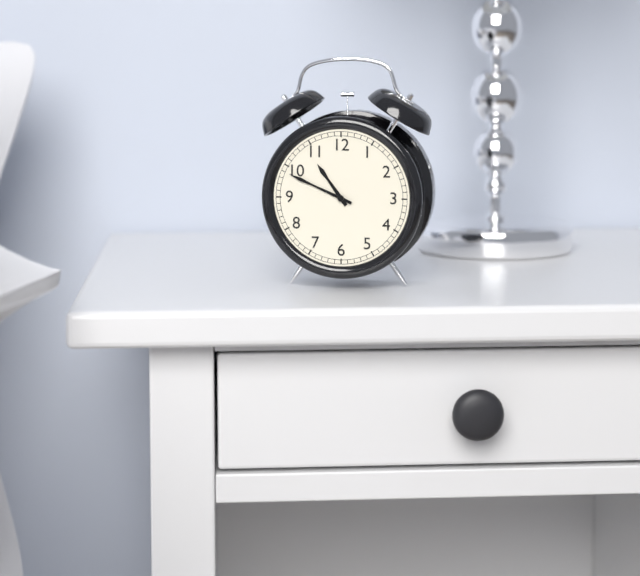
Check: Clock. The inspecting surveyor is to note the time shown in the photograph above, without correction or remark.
10:49
